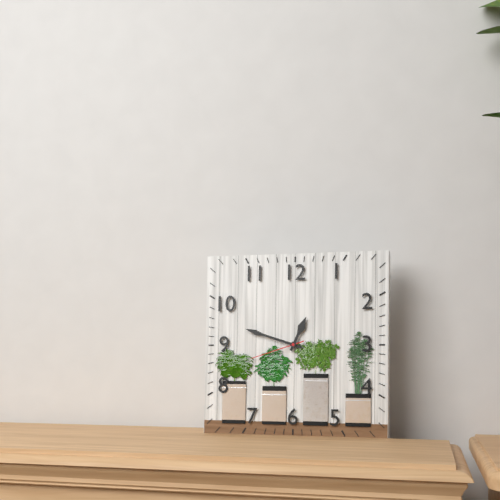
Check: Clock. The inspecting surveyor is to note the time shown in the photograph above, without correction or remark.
12:48:42
